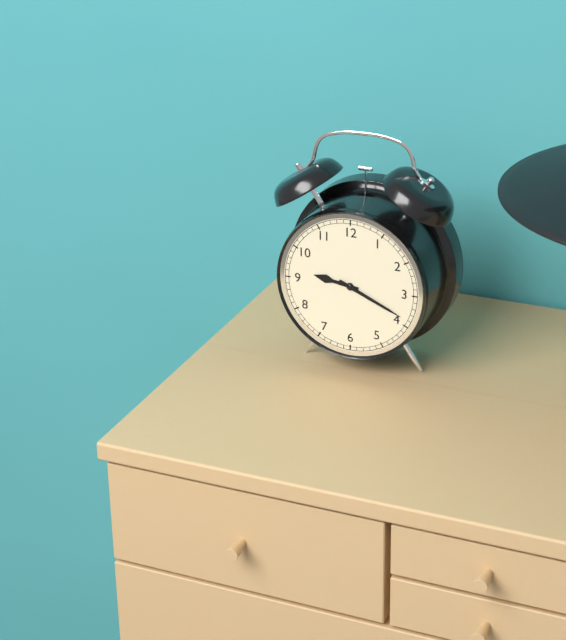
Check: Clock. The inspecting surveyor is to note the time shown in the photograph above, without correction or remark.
9:19
